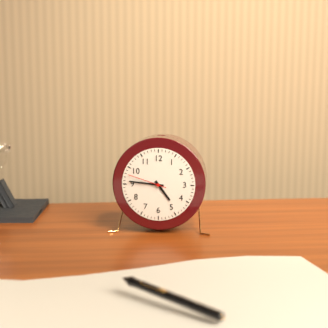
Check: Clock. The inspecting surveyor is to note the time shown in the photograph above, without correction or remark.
4:46
